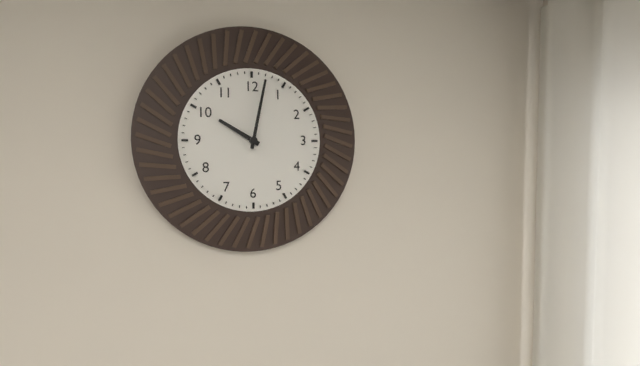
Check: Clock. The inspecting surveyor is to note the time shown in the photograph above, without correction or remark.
10:02
